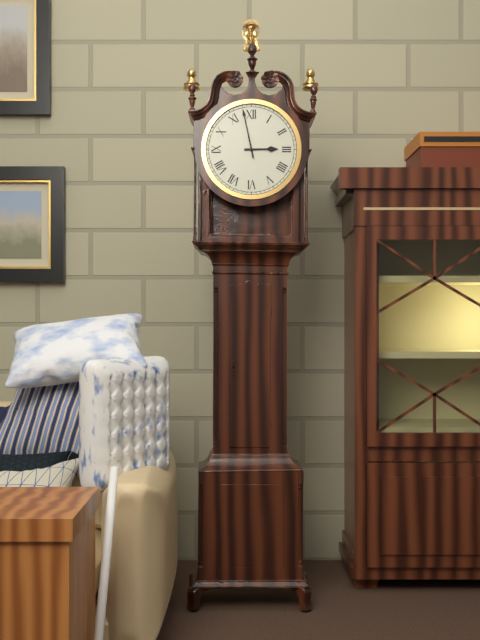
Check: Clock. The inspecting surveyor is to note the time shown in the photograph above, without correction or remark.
2:58
